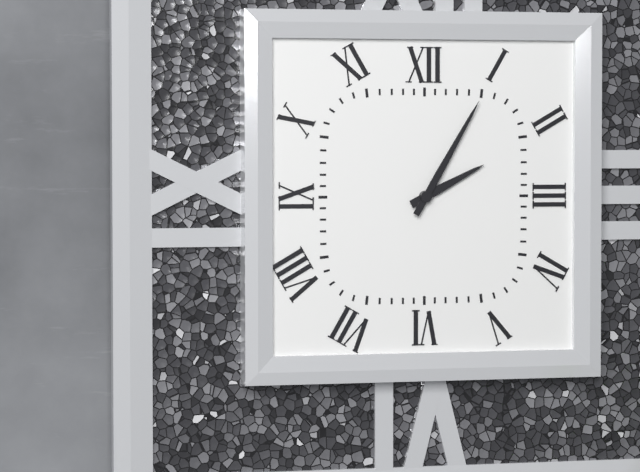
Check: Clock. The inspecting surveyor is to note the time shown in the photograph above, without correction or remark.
2:05
